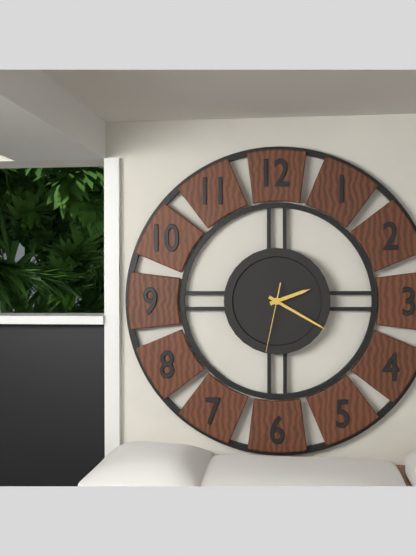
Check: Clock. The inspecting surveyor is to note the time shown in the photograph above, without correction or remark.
2:20:32
